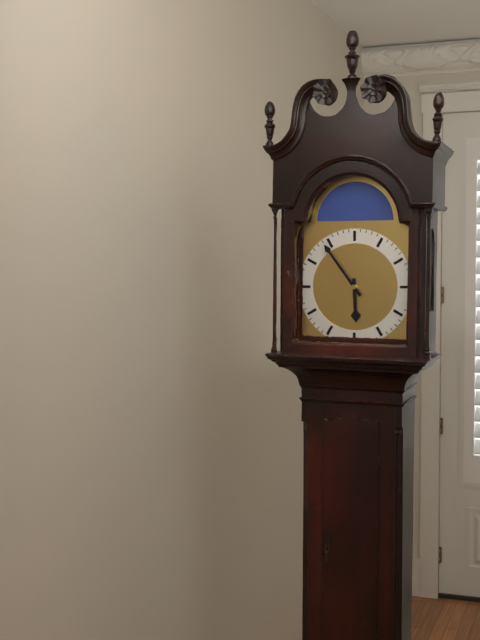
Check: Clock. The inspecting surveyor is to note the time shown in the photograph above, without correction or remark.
5:54
